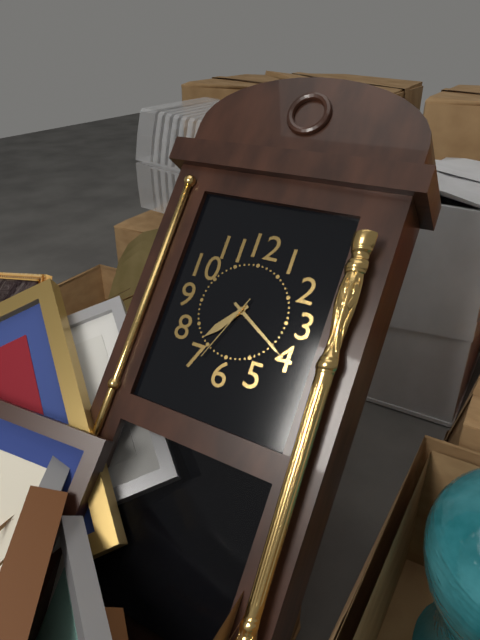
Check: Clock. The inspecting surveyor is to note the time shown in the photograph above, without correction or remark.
7:20:34
